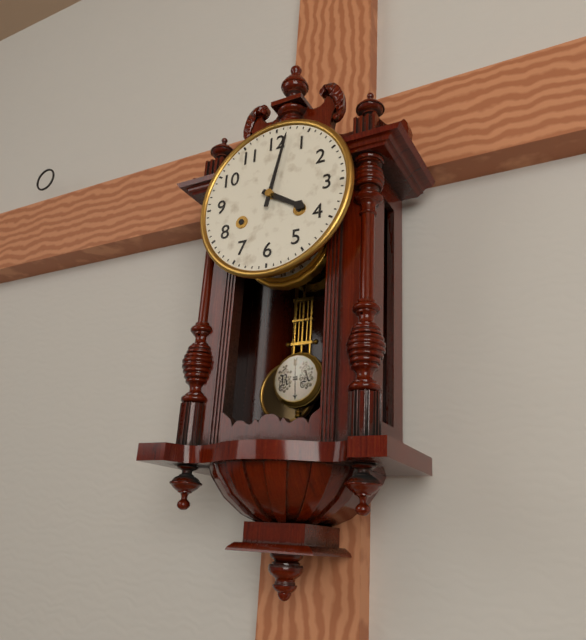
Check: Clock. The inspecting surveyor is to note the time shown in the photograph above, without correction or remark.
4:02
